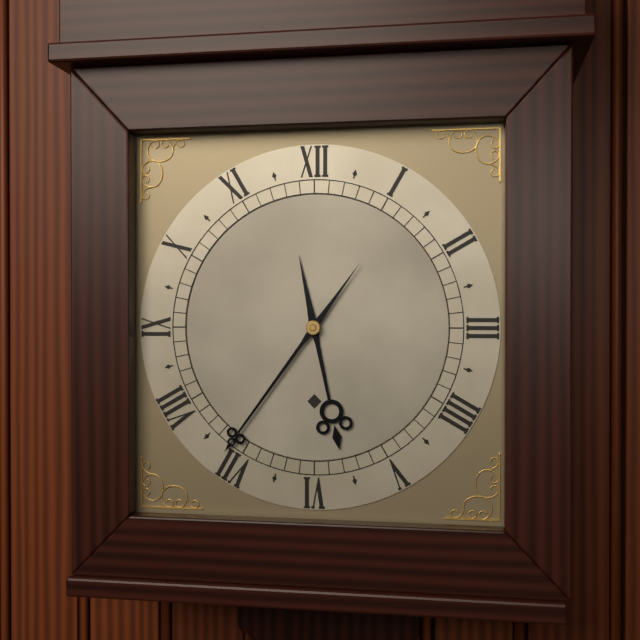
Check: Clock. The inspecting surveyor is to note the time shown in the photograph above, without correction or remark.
5:36
